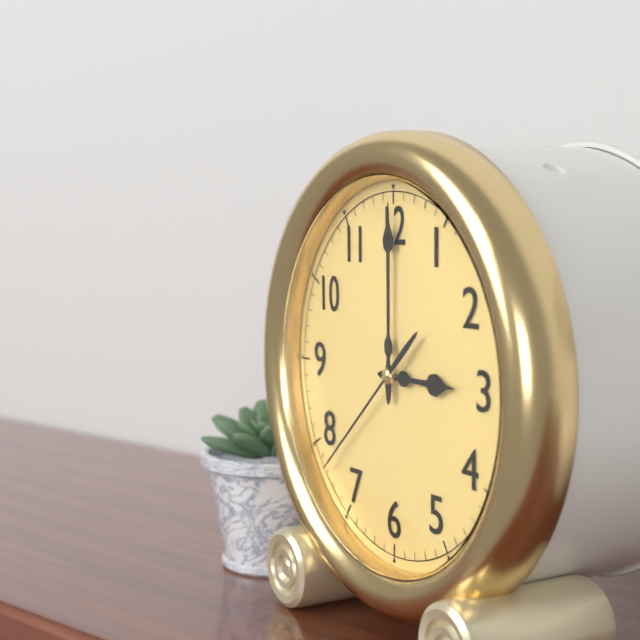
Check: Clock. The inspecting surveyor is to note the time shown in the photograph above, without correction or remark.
3:00:38
